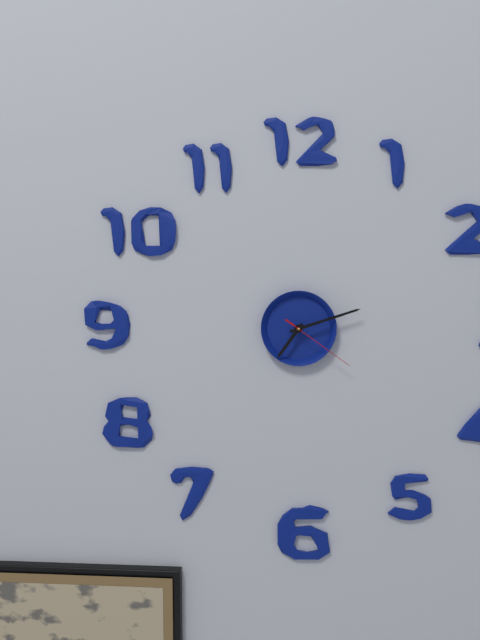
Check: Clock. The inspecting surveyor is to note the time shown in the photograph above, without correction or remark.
7:12:21
